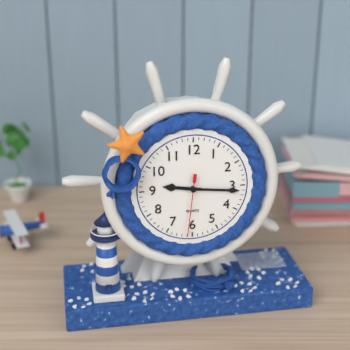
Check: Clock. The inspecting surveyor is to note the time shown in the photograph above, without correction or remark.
9:16:31
